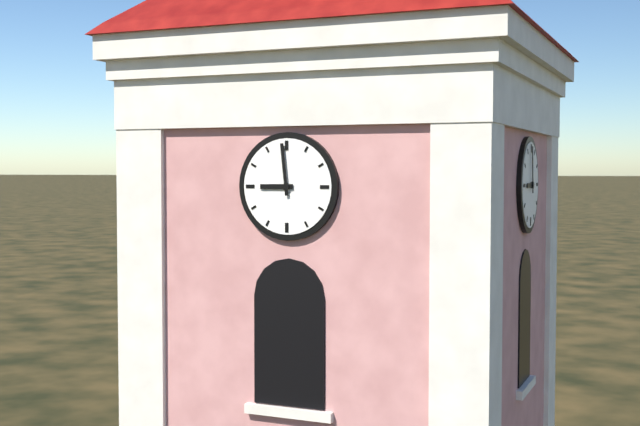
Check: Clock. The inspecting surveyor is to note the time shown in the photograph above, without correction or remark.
8:59
